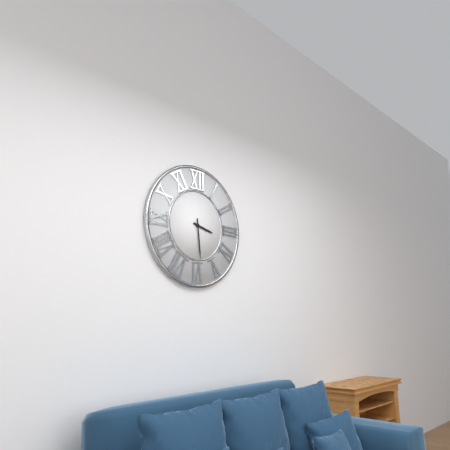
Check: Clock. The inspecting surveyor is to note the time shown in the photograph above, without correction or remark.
3:29
